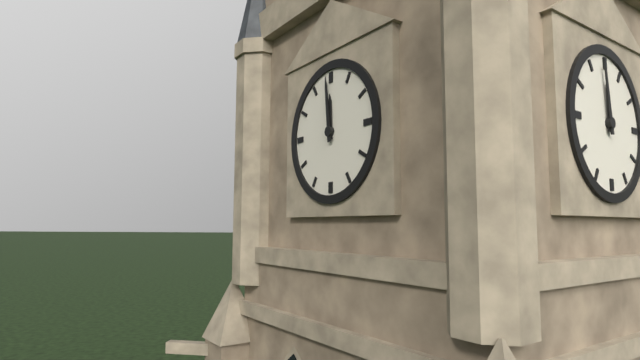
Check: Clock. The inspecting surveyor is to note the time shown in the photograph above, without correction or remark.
11:59
